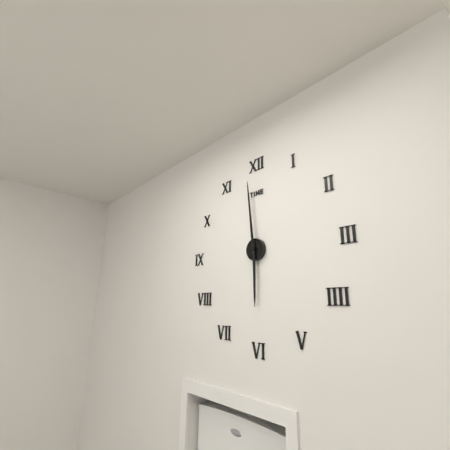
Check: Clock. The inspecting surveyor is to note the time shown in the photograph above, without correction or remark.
5:59
